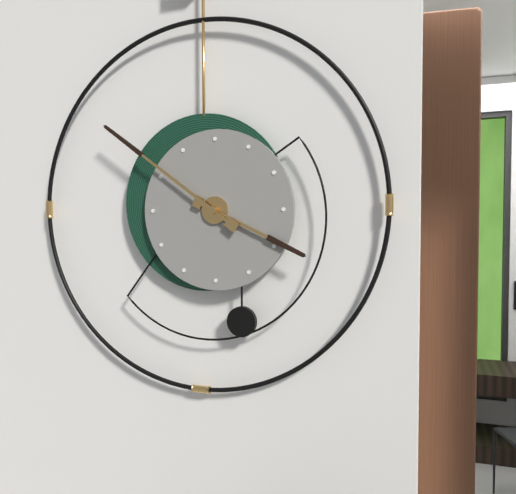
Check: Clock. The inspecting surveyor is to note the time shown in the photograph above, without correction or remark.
3:51
